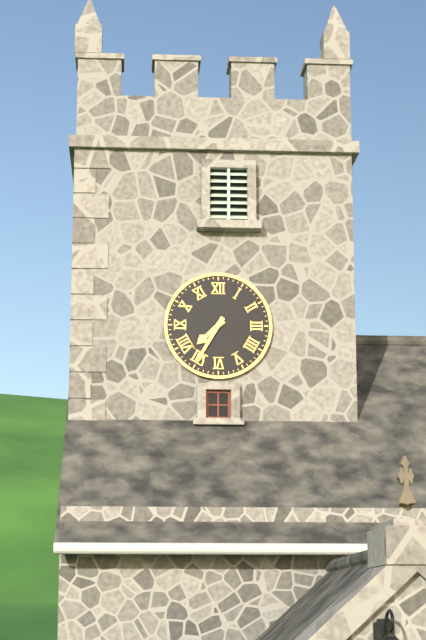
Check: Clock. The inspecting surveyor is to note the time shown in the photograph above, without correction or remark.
7:35
